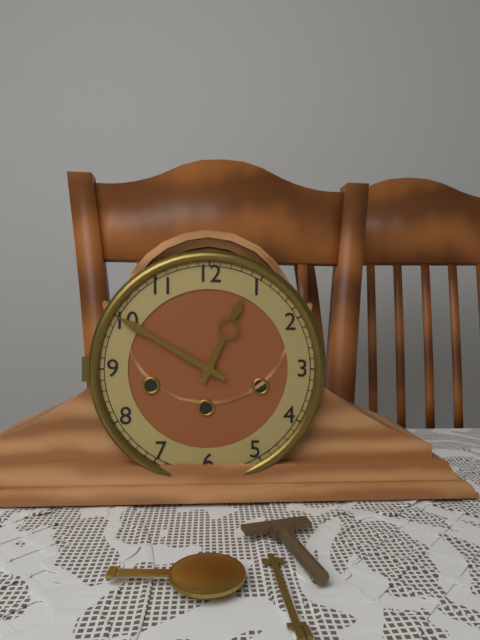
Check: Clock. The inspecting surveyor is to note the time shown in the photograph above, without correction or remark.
12:50
